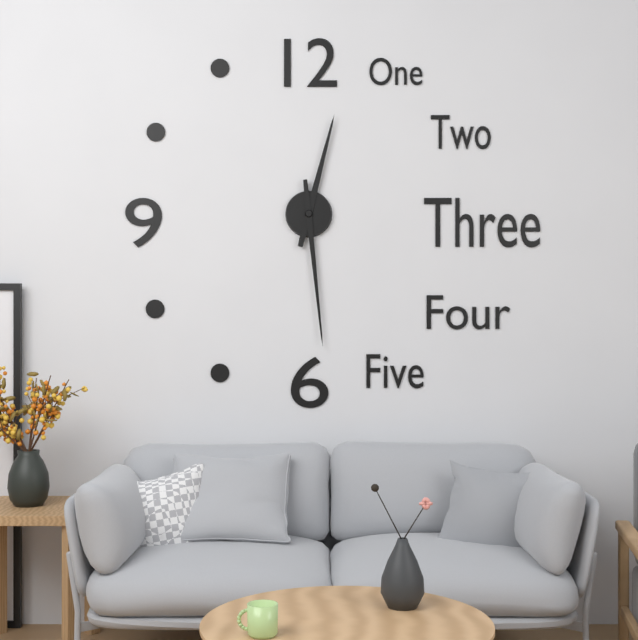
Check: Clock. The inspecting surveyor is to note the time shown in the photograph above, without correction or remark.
12:29
